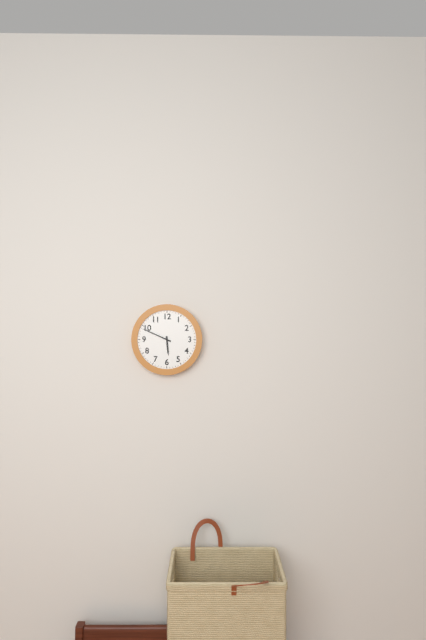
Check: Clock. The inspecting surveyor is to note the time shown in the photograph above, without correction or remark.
5:49
